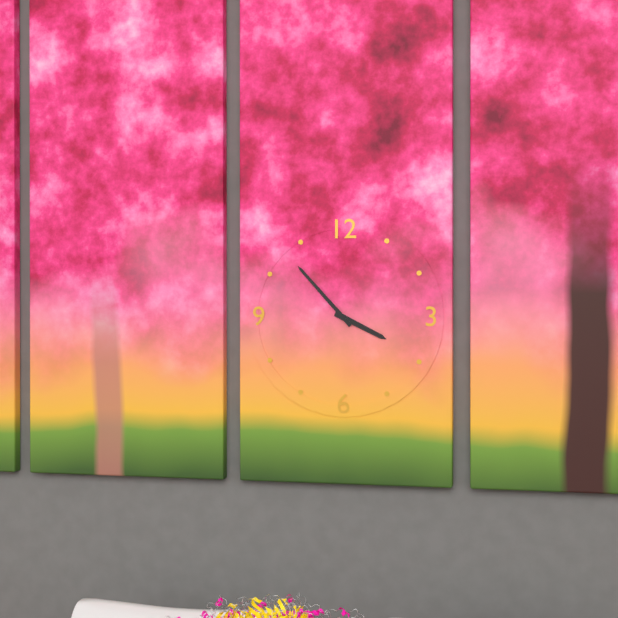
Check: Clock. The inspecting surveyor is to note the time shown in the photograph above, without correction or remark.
3:53
